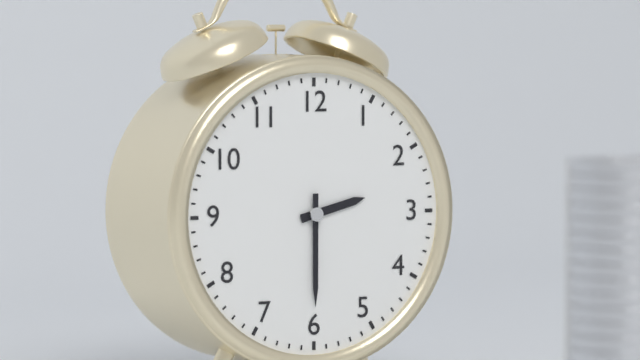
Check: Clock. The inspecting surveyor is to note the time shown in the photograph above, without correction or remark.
2:30
